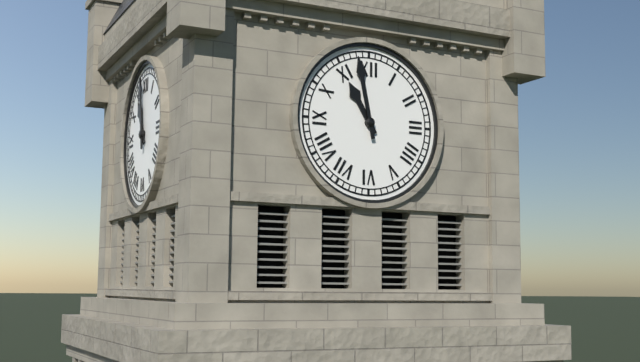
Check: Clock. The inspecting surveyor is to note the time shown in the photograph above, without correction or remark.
10:58
